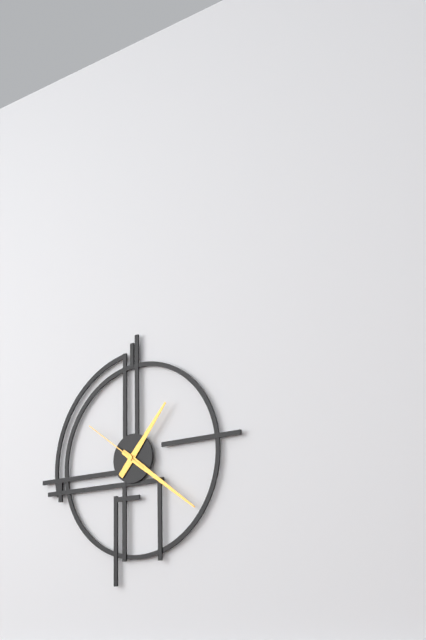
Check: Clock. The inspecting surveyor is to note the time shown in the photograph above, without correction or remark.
1:21:51
